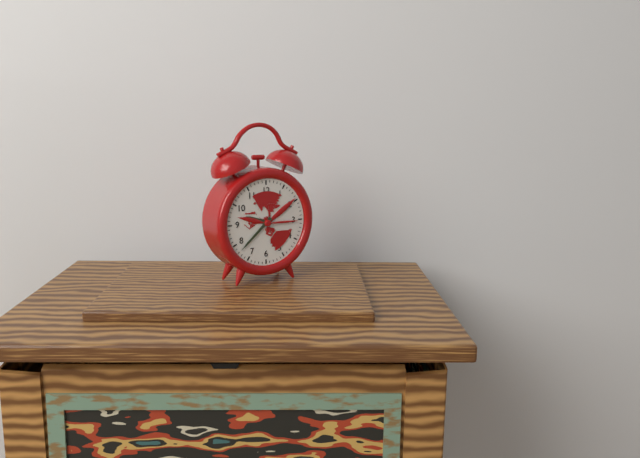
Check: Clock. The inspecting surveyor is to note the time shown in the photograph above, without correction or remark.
9:38
